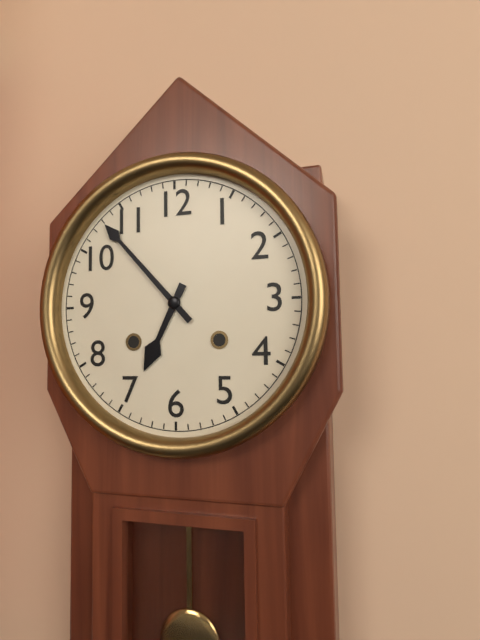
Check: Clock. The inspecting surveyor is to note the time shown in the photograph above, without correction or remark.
6:53
